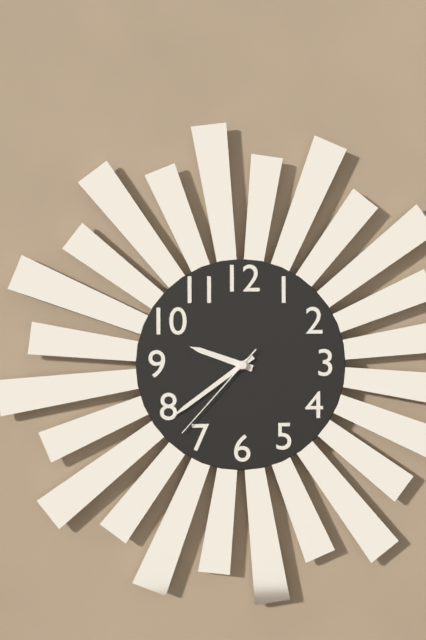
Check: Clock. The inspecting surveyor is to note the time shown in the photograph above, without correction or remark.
9:39:37
